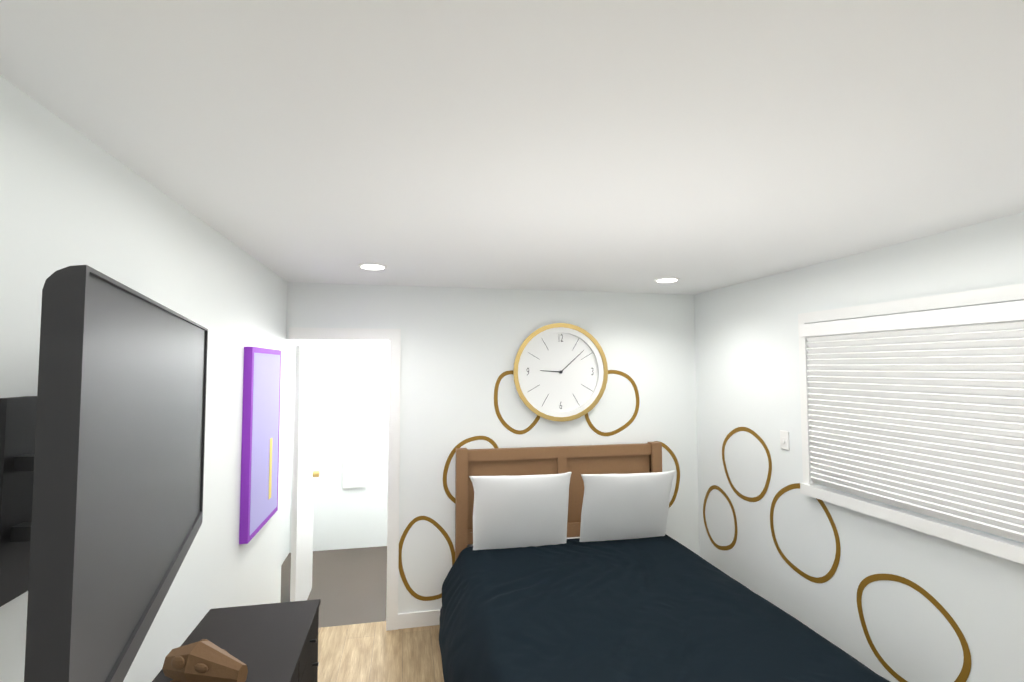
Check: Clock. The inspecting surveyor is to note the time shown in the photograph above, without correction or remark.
9:08
